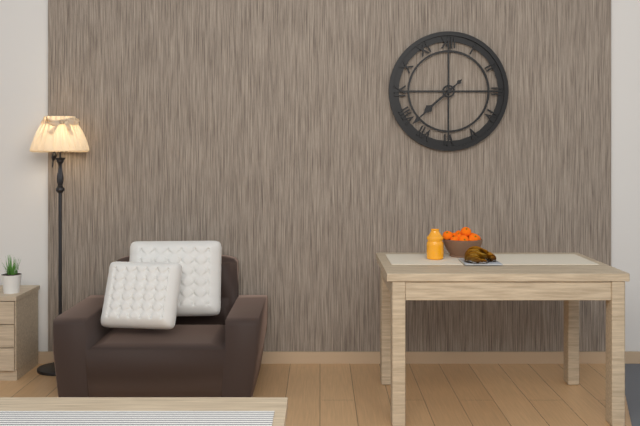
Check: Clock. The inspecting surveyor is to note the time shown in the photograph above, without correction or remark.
7:38
